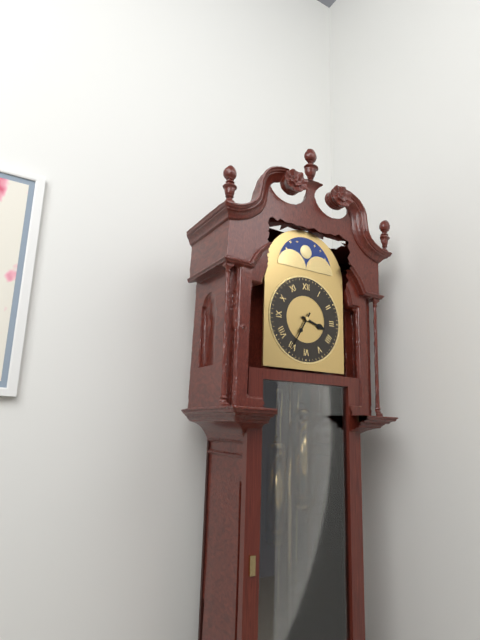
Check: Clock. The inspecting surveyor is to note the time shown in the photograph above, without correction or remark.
3:35
